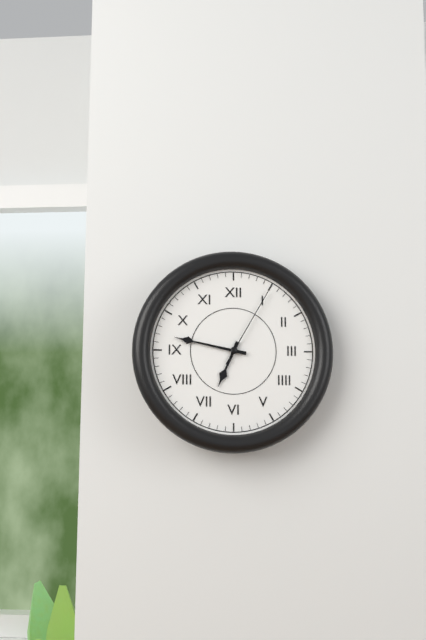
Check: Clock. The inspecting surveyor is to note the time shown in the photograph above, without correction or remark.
6:47:05
